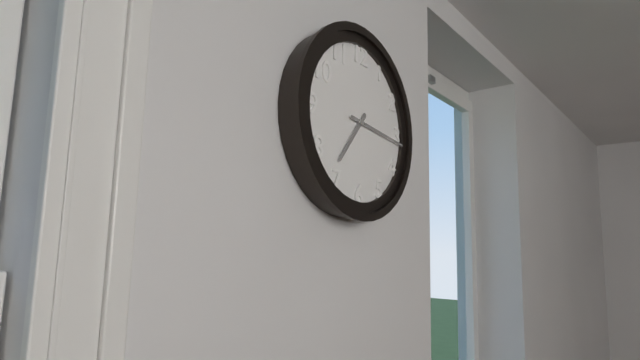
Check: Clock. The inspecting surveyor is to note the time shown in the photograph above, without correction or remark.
7:16
